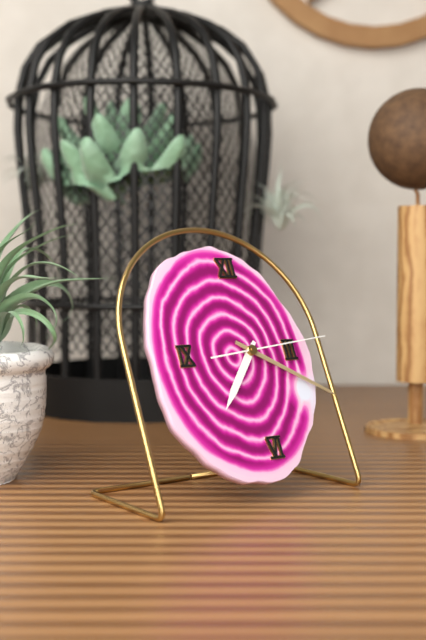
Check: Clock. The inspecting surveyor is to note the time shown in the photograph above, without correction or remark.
7:20:14
